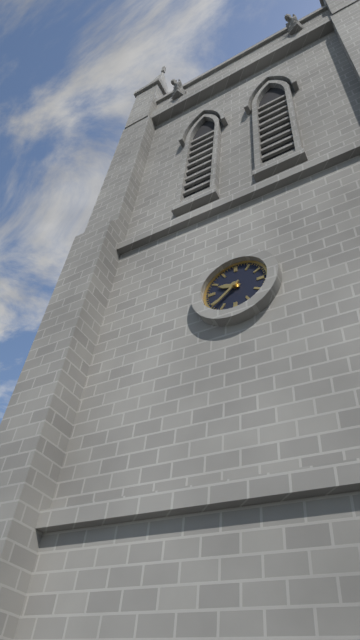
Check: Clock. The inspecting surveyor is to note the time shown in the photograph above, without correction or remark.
9:38
